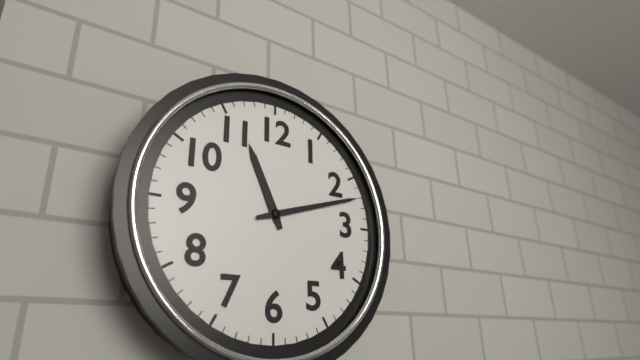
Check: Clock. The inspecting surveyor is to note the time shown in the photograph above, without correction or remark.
11:12
